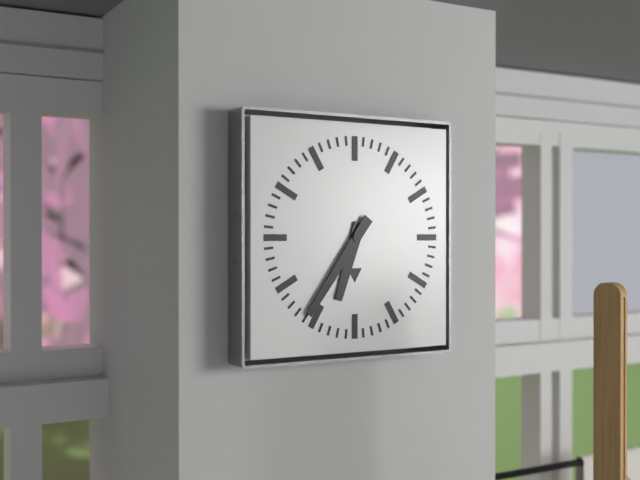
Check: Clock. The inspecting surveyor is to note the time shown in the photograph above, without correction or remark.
6:36
